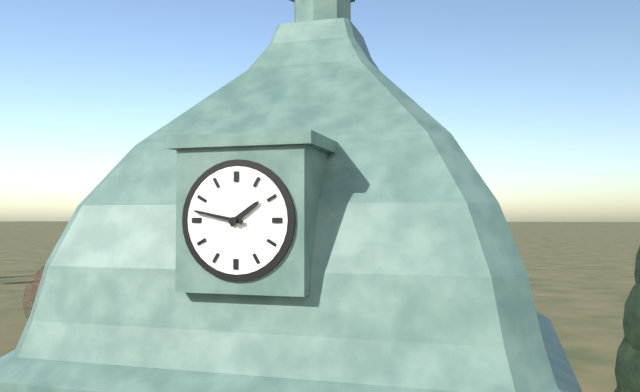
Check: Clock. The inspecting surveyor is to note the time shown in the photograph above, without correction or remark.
1:47
